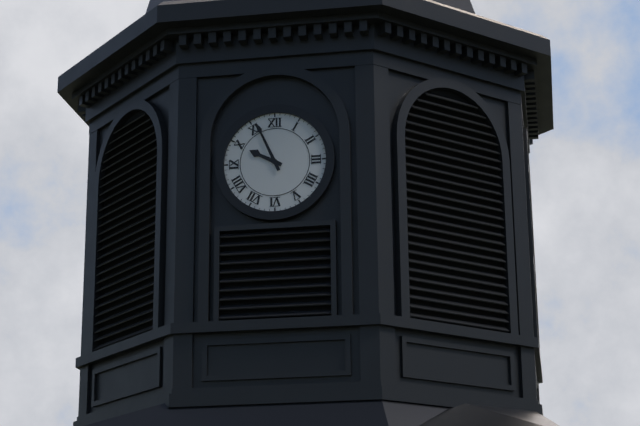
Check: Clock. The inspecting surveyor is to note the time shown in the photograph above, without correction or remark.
9:56
